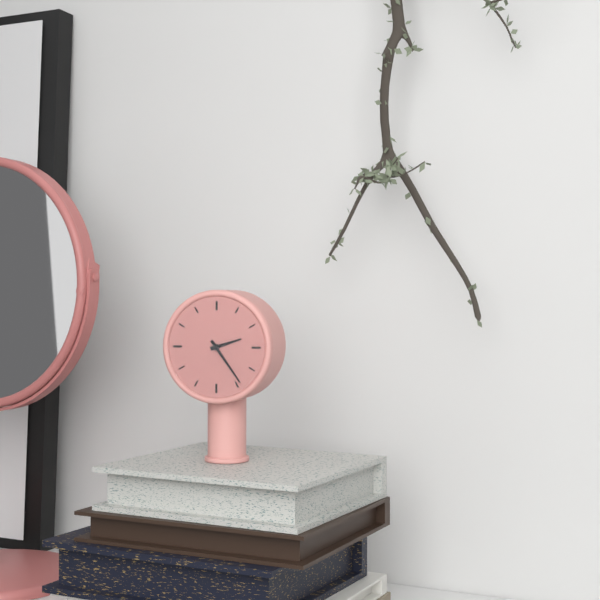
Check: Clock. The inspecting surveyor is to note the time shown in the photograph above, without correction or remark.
2:24
